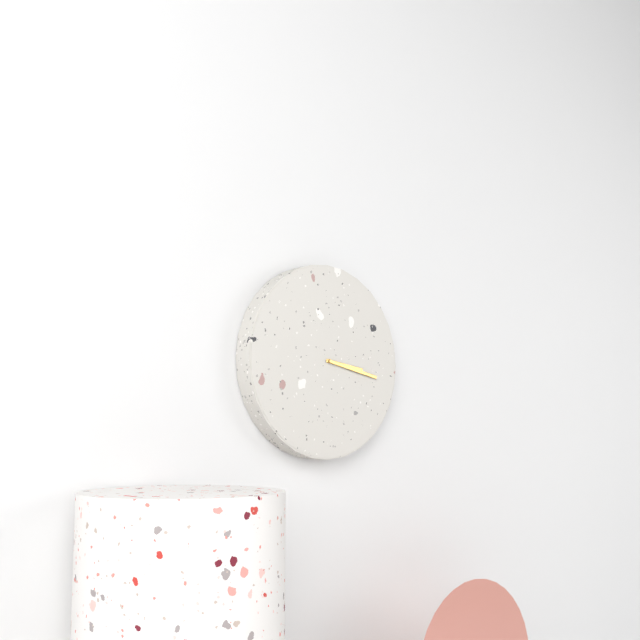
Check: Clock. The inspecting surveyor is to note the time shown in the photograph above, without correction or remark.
3:17
